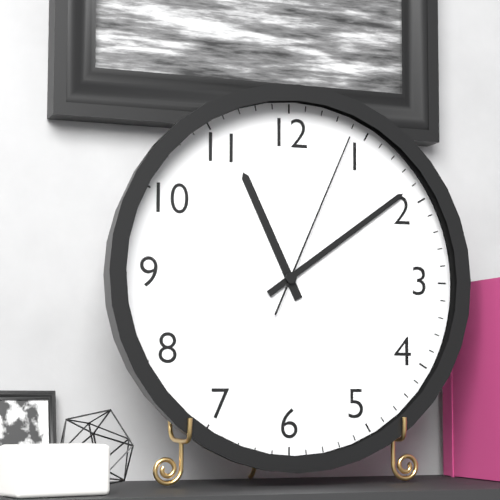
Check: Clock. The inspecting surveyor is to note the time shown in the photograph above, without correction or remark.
11:09:04
